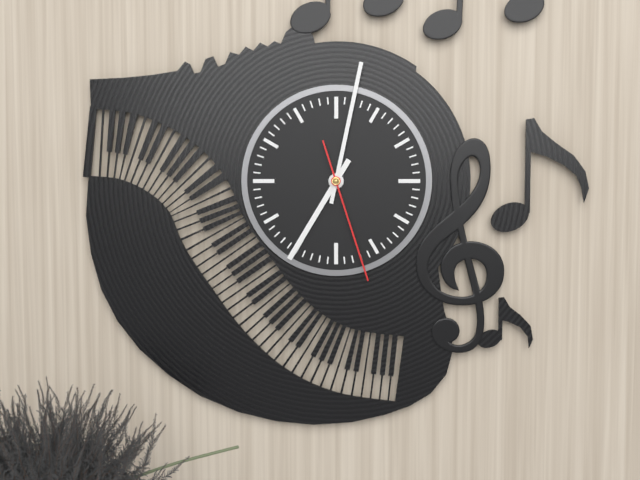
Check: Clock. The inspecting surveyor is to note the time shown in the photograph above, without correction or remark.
7:02:27
